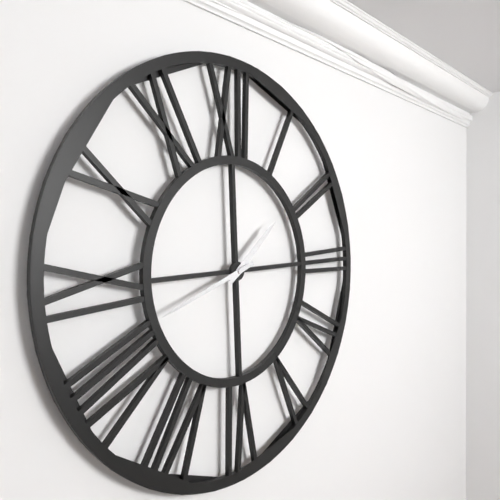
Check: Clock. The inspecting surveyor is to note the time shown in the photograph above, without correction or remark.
1:42
